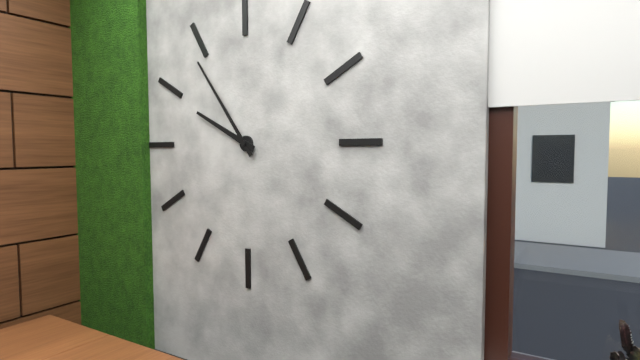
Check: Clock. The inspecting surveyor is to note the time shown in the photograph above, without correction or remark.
9:54
